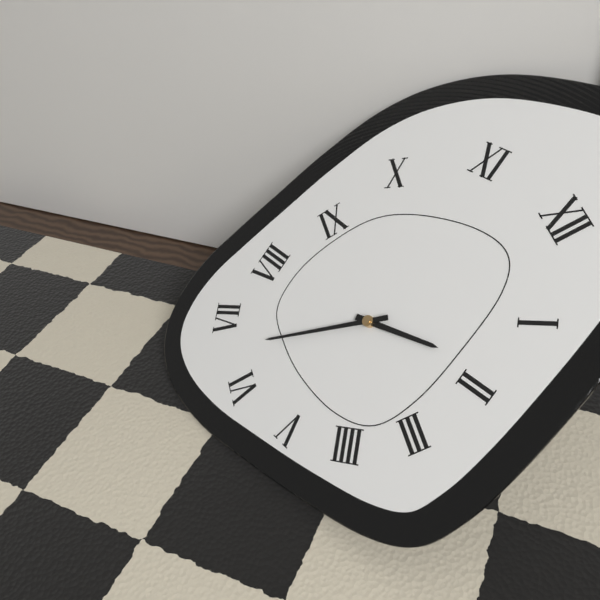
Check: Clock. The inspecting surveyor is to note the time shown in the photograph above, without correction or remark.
1:33
